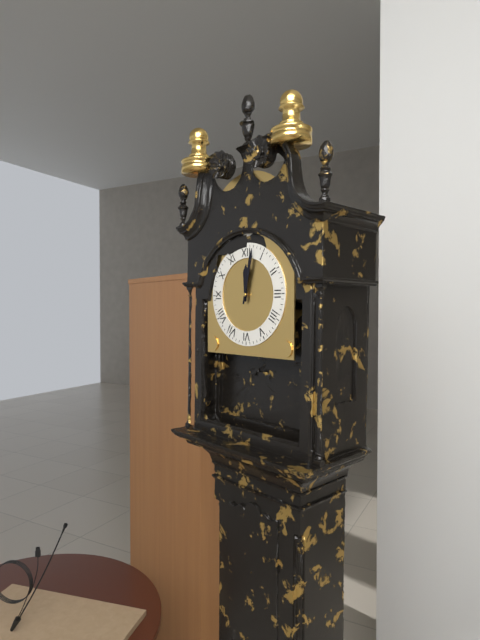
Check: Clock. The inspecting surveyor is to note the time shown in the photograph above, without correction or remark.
12:02
